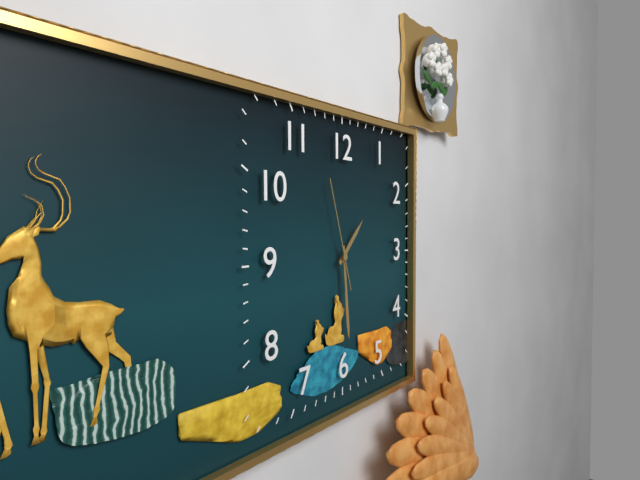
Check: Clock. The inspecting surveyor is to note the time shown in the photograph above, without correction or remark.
1:29:57
